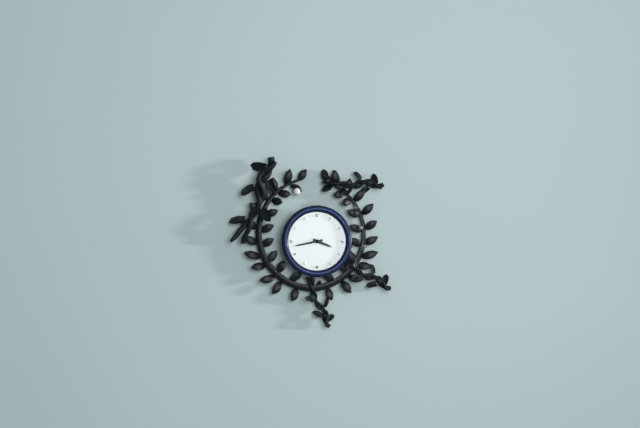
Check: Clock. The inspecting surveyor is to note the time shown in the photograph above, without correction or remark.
3:43
